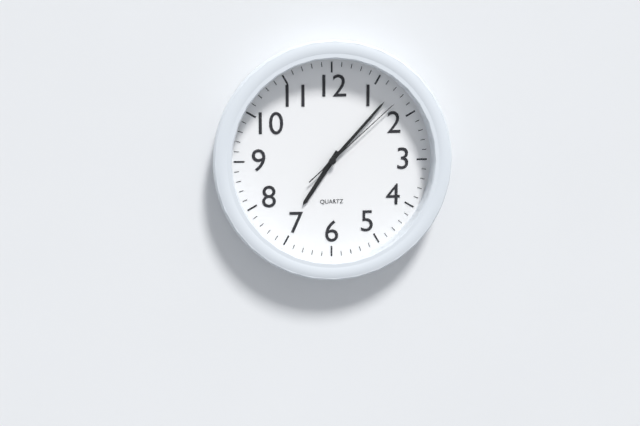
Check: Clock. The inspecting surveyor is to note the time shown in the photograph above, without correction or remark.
7:07:08
